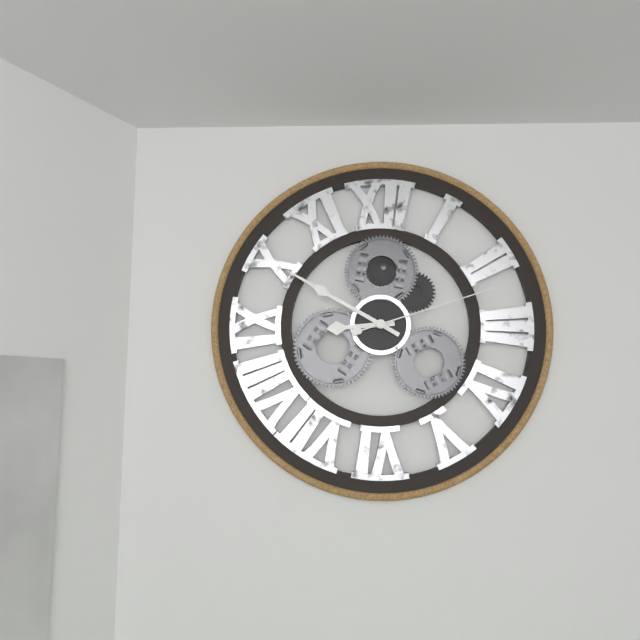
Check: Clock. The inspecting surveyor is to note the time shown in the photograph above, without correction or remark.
8:50:12
